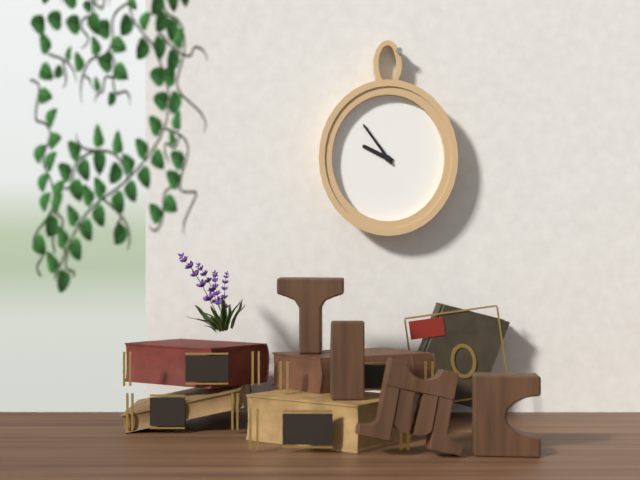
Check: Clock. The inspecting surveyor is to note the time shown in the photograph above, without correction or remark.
9:54
